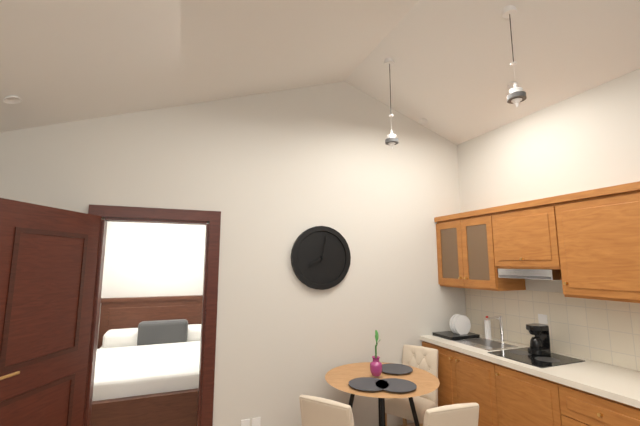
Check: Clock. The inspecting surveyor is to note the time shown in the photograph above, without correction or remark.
8:02
